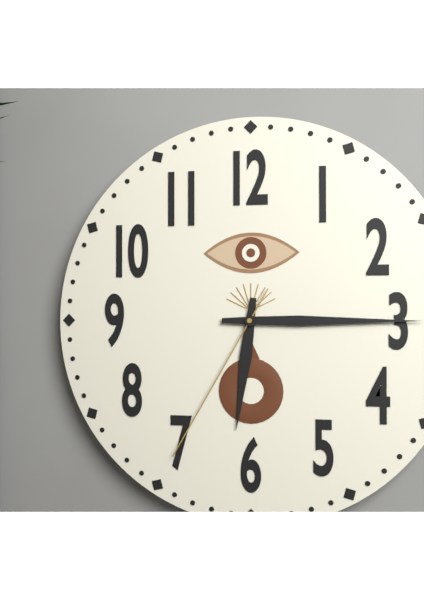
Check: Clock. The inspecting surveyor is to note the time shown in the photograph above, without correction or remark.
6:15:35
